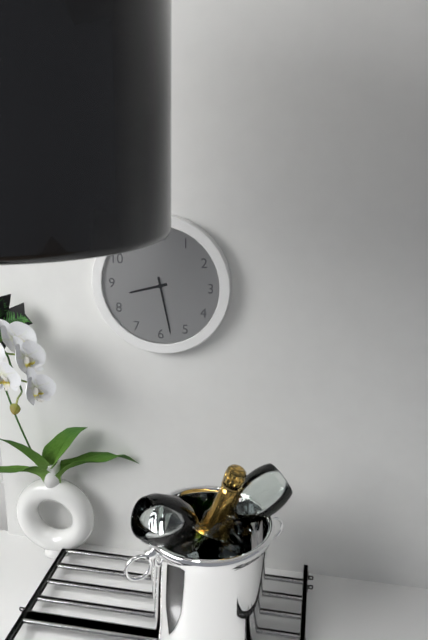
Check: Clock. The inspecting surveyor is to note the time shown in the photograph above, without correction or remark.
8:28
